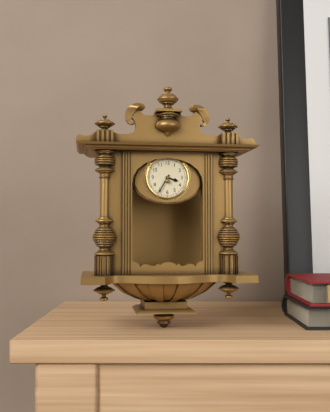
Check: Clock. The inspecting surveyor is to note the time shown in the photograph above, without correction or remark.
3:35
